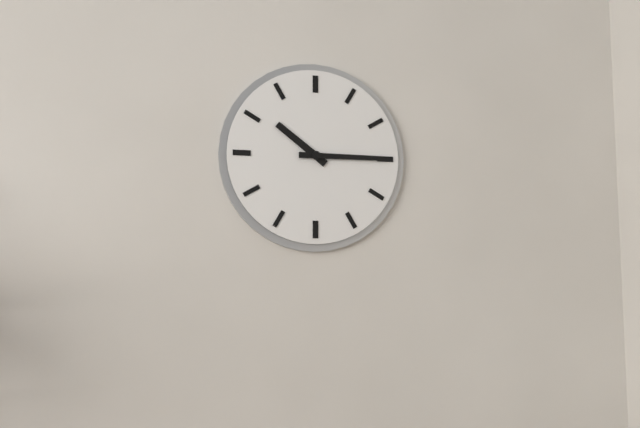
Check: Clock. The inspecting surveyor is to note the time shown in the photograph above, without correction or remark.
10:15
